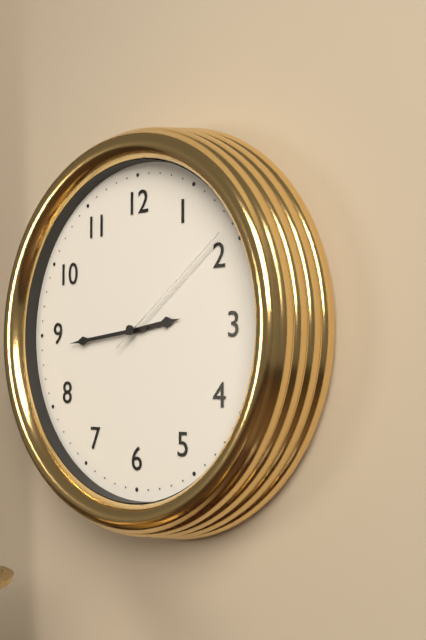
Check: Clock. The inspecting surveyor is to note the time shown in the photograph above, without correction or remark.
2:44:09
